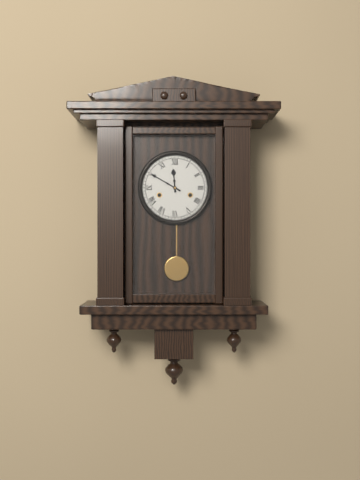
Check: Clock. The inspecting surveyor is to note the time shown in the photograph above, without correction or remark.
11:50
